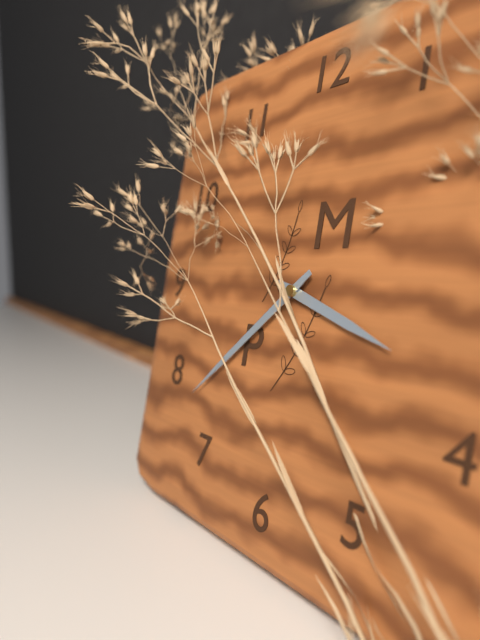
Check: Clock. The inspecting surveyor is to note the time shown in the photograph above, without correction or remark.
3:38
